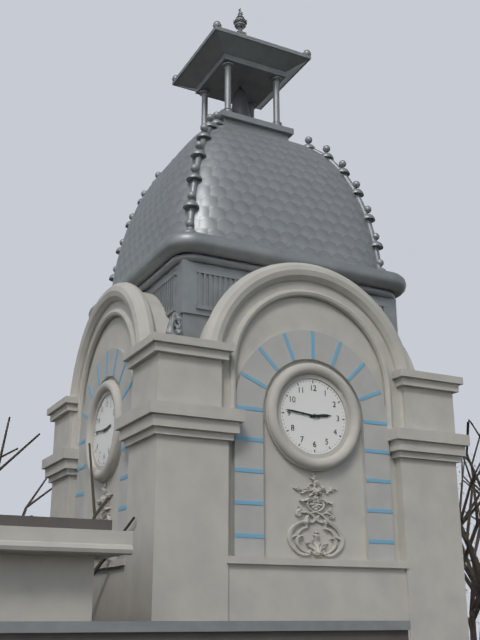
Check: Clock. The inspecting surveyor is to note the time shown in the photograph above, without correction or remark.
2:46
